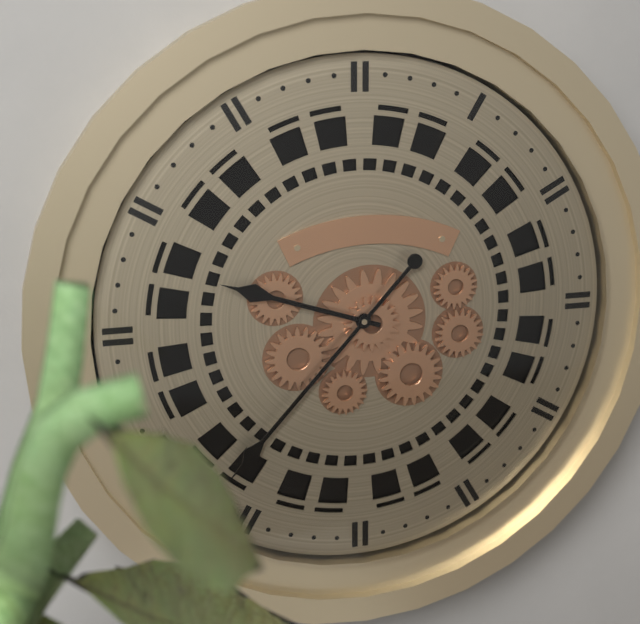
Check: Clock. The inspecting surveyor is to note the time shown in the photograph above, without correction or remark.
9:37
